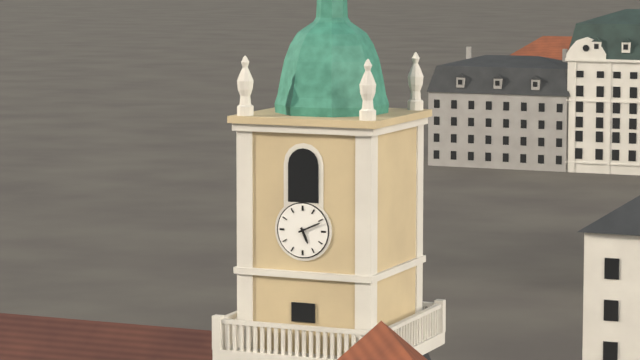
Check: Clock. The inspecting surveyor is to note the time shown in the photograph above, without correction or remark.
5:11
